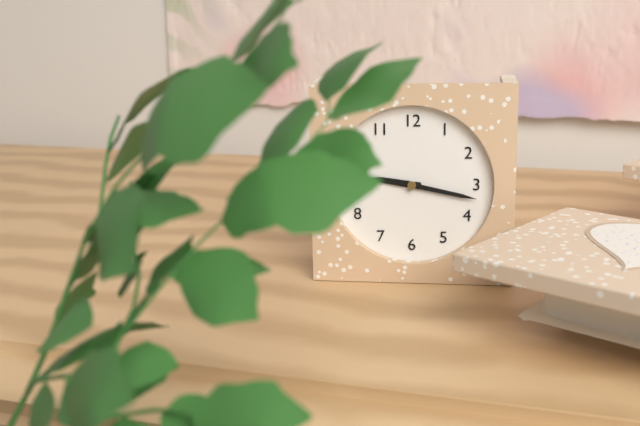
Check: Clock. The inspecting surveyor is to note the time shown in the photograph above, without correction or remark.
9:17
